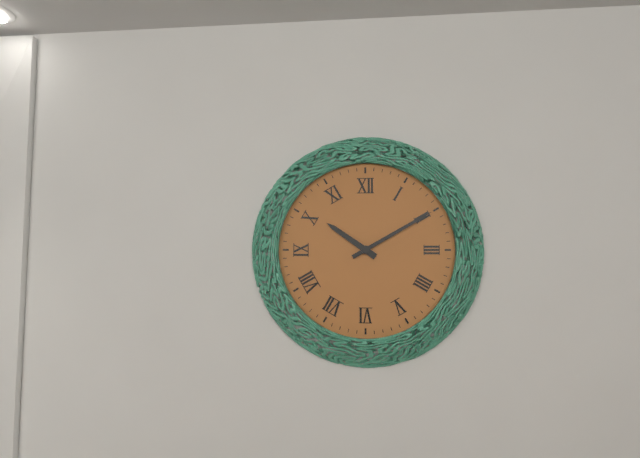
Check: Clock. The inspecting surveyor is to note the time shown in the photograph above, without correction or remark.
10:10
